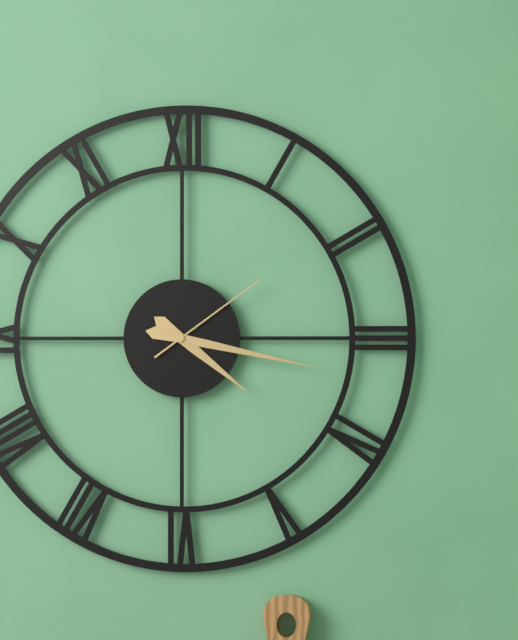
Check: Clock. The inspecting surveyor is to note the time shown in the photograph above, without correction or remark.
4:17:09
